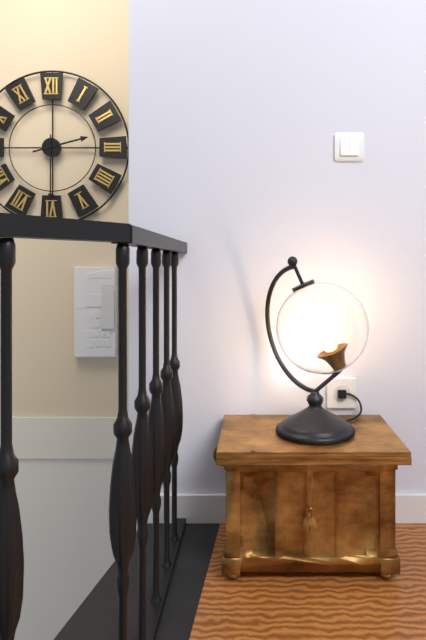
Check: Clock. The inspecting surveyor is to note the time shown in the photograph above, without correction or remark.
2:30
